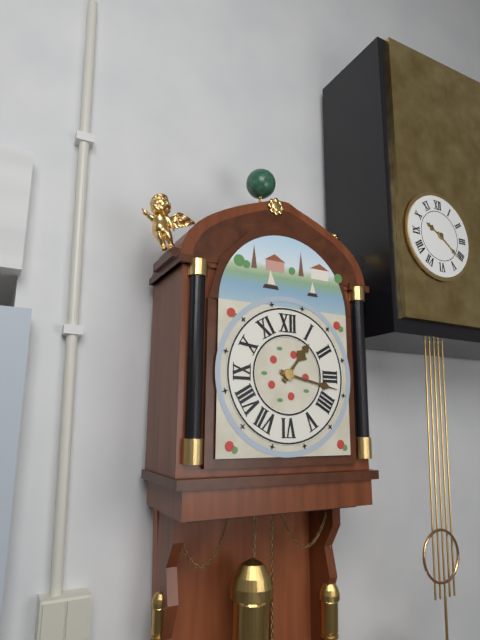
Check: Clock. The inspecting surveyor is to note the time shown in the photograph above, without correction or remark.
1:17
